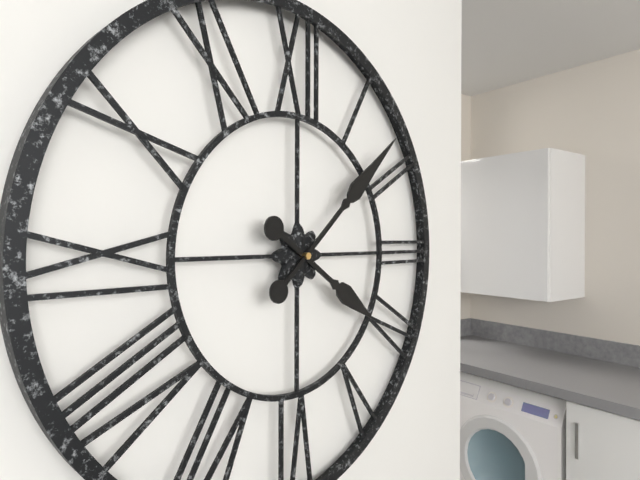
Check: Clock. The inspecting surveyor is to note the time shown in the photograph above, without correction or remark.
4:08
